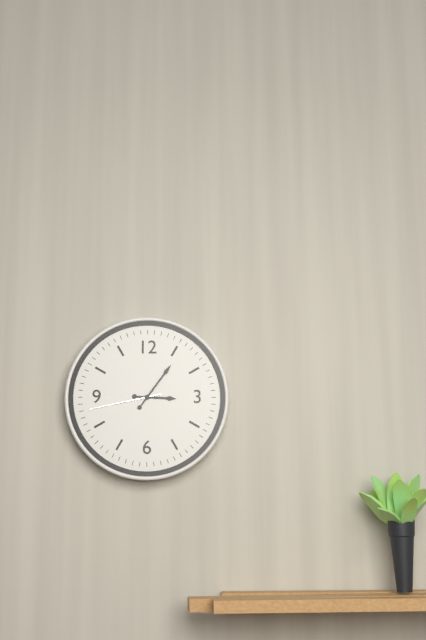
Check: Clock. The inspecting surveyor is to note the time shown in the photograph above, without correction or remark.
3:06:43
